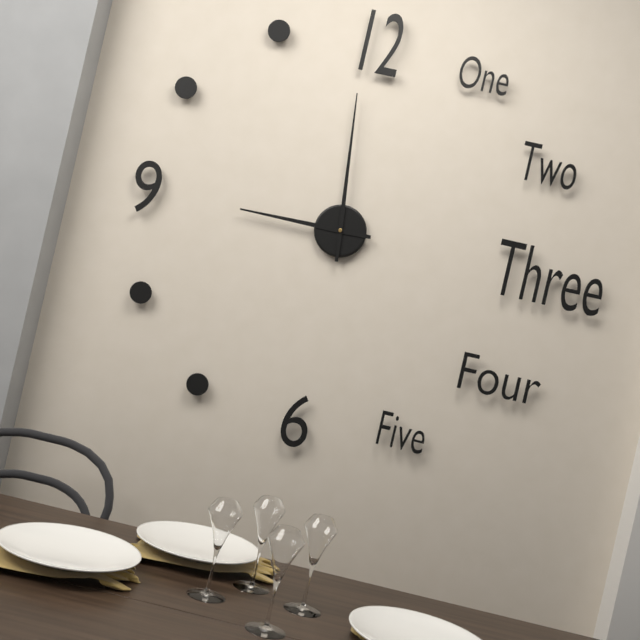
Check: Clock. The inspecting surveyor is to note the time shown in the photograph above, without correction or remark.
8:59
